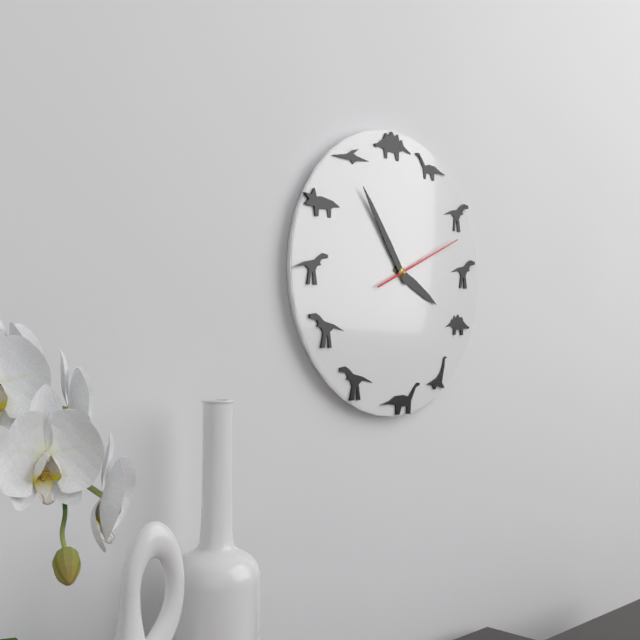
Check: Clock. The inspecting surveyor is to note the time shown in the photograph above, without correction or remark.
3:54:11
